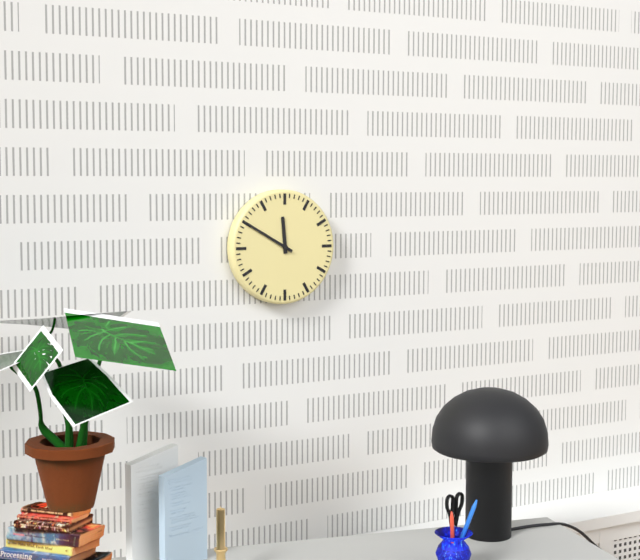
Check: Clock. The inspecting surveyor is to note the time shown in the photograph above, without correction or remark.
11:50
